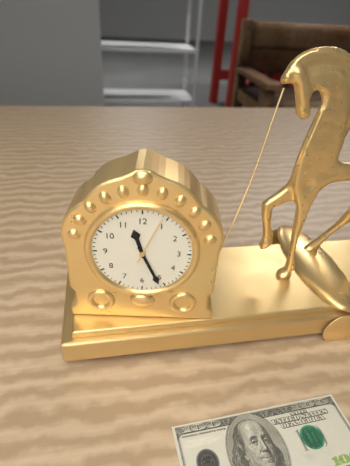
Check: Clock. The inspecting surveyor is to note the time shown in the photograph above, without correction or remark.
11:26:04
